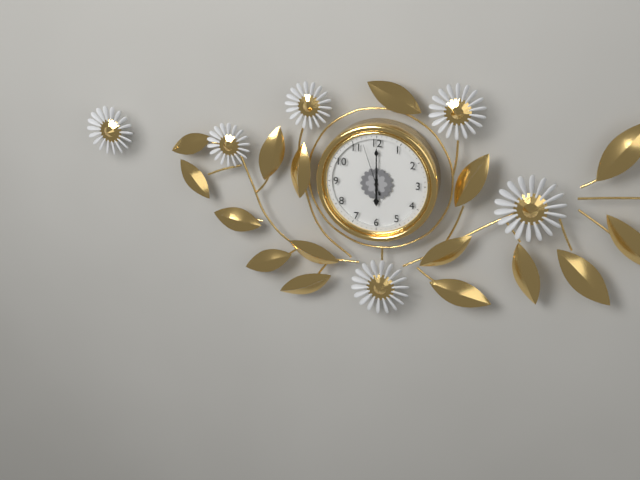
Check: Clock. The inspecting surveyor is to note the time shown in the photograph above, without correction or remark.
6:00:57
